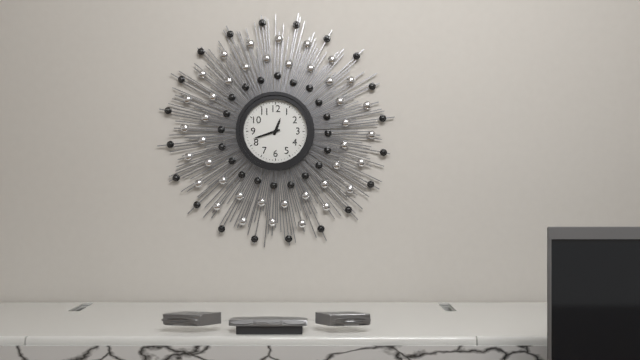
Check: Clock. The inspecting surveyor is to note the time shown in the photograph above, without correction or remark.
12:42
